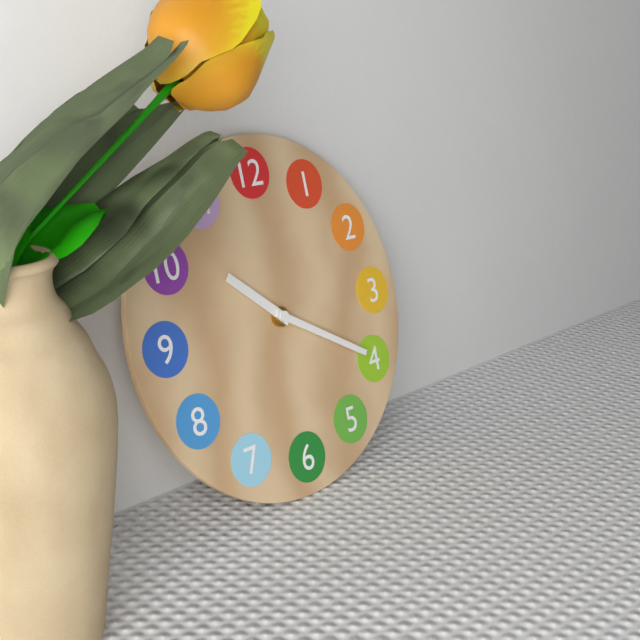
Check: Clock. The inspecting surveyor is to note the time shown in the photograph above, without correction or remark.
10:20
